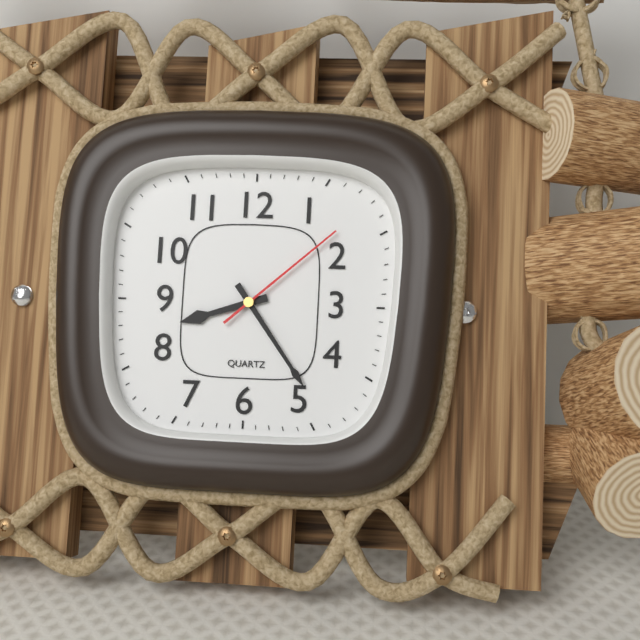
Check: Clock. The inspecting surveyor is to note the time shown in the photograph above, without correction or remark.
8:24:08
